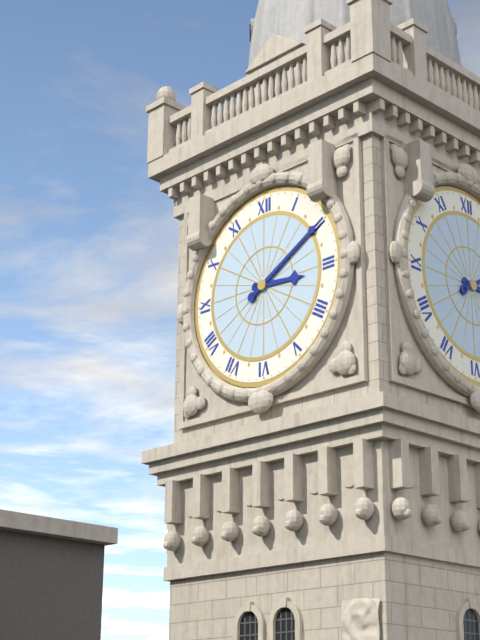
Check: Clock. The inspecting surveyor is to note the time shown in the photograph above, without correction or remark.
3:10
